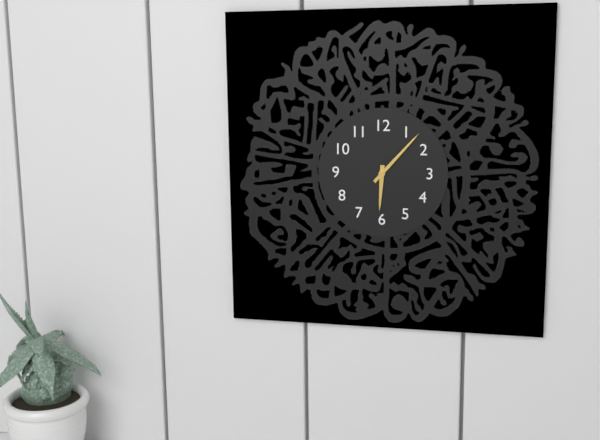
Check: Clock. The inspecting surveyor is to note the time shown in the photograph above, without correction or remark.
6:07
